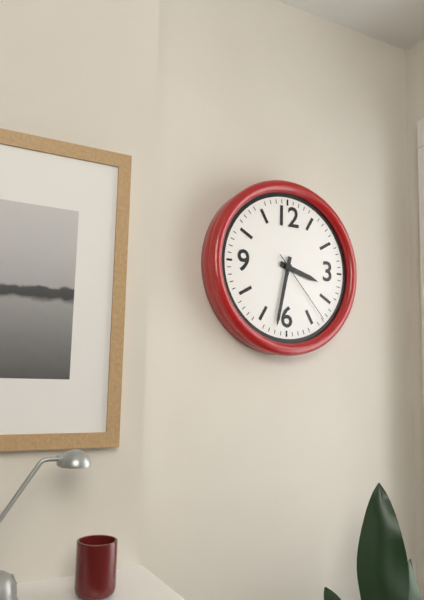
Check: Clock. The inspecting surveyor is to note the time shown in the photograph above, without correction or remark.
3:32:23
